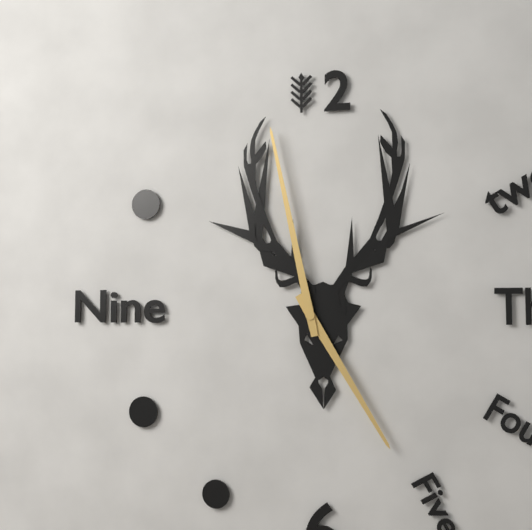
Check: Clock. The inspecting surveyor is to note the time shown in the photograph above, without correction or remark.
4:58
